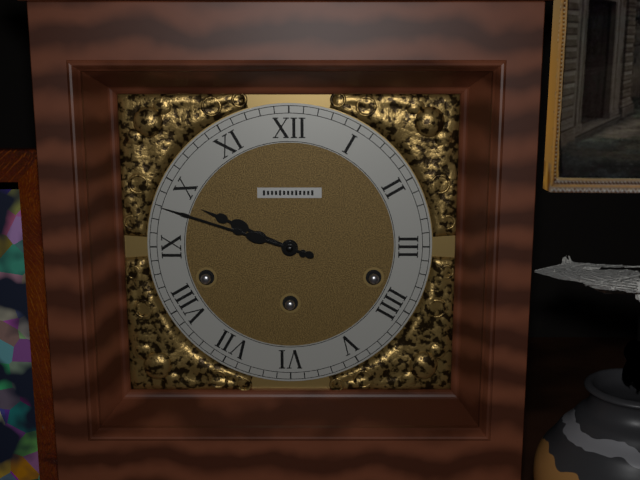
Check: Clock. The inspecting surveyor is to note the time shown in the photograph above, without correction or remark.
9:48
